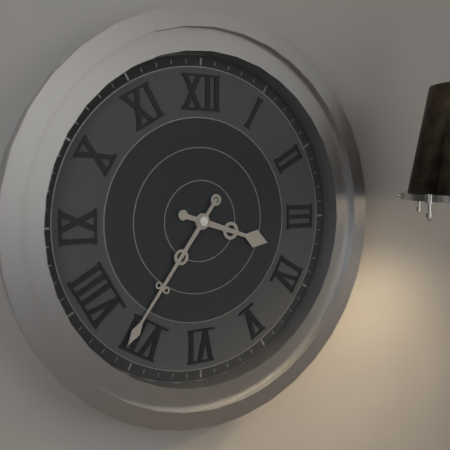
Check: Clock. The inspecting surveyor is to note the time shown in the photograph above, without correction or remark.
3:36
